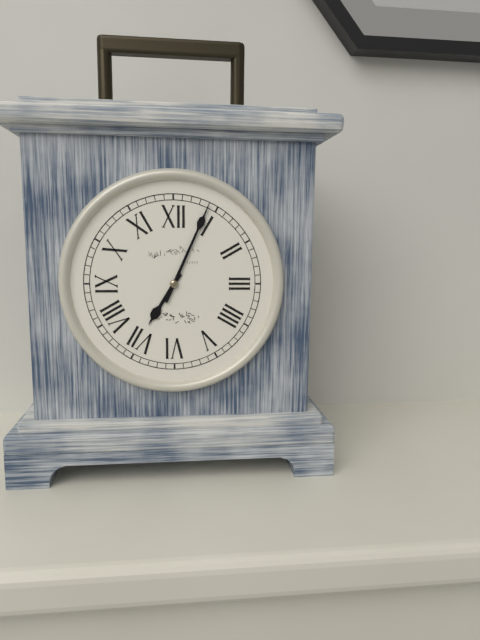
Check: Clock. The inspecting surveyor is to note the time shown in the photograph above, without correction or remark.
7:04
